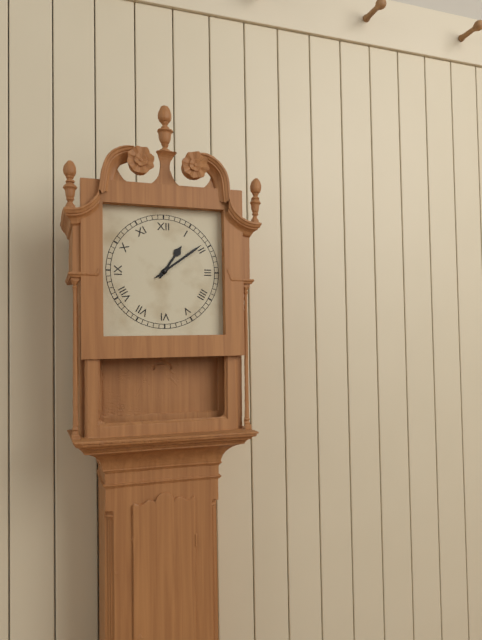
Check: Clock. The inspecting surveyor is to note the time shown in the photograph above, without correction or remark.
1:09
